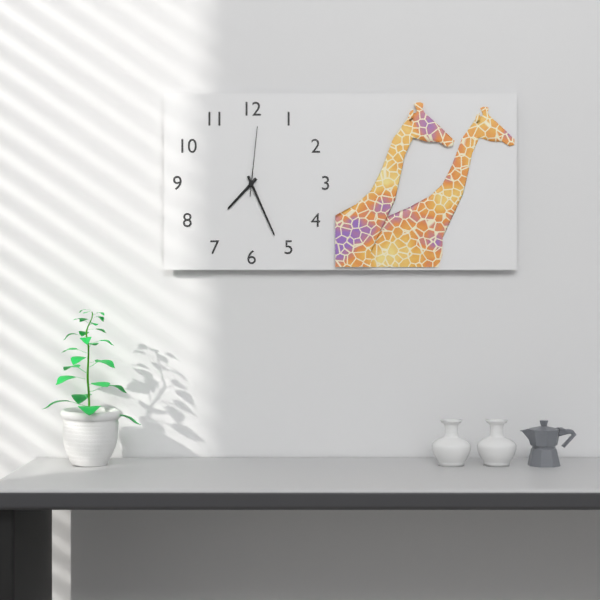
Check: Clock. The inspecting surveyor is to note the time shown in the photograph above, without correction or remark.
7:26:01
